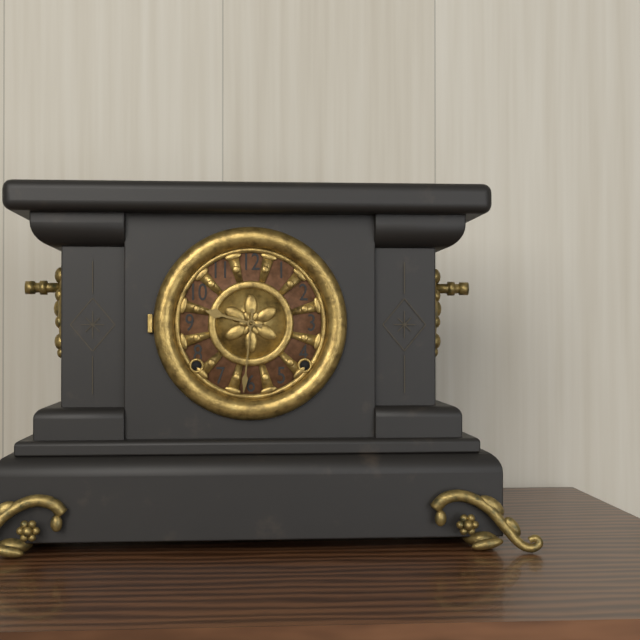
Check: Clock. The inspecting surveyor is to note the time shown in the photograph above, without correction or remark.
9:31
